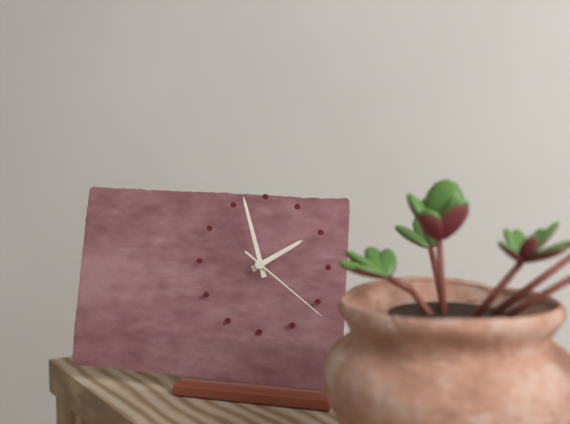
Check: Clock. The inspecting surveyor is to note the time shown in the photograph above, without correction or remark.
1:57:21
